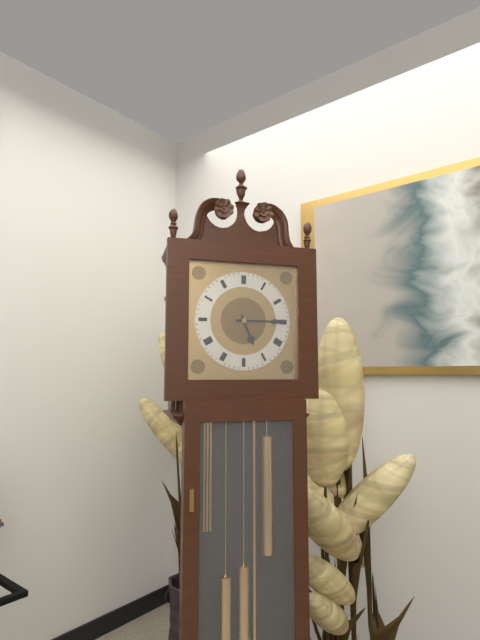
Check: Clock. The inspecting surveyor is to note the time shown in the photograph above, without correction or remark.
5:15
